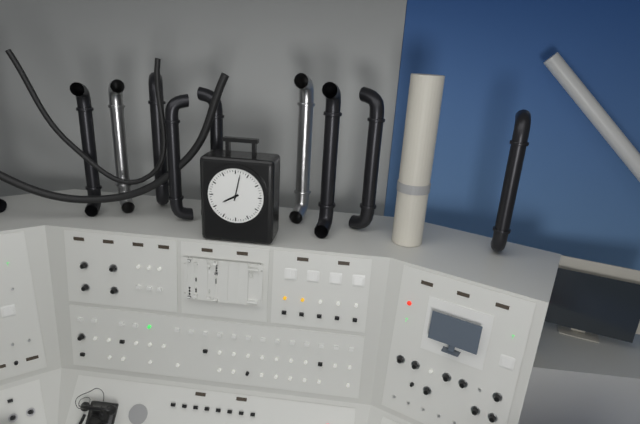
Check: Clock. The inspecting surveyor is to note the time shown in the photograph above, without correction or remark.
8:02
